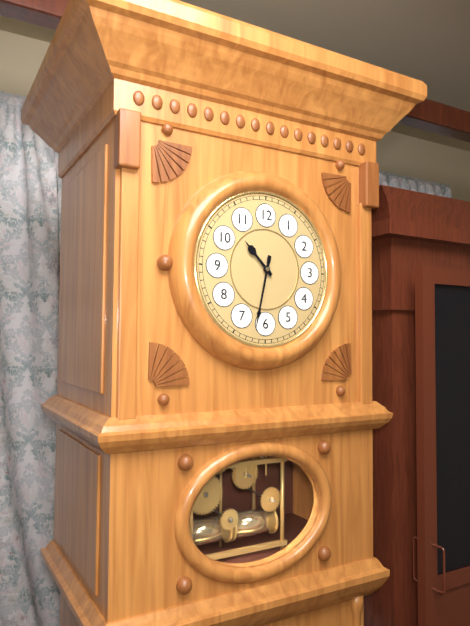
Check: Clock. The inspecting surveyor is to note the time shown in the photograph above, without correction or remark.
10:32
